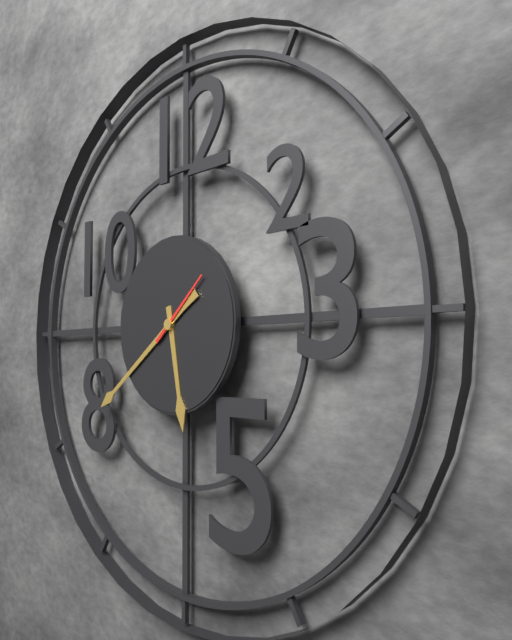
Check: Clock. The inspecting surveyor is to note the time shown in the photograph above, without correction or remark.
5:39:08
